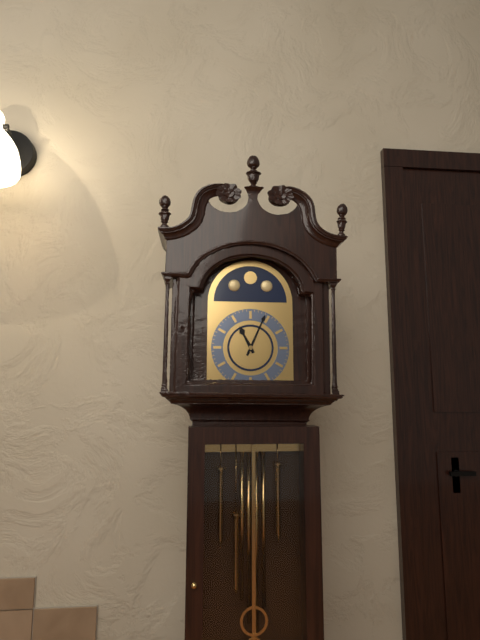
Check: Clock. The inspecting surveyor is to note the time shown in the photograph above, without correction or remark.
11:04
